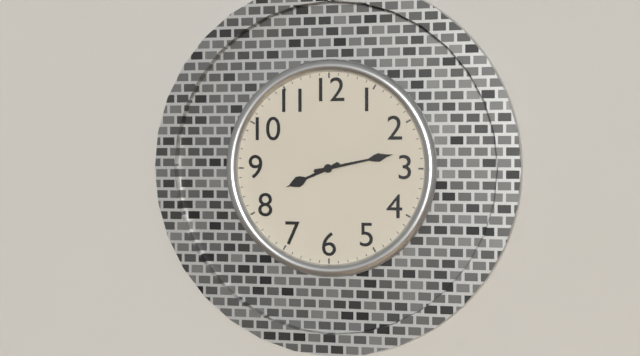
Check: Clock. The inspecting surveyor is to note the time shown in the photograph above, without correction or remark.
8:13
